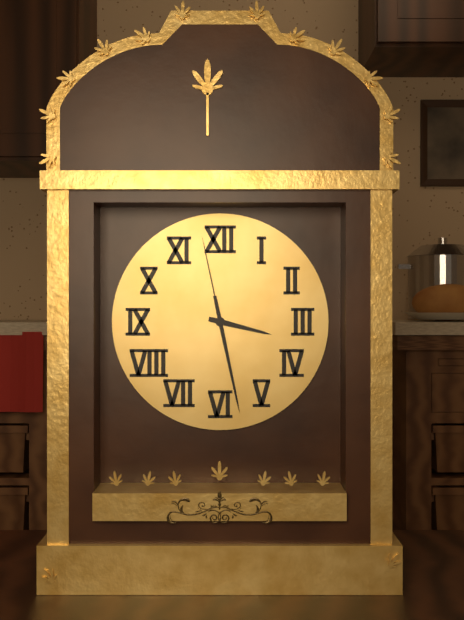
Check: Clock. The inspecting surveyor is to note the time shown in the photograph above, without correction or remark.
3:28:58
